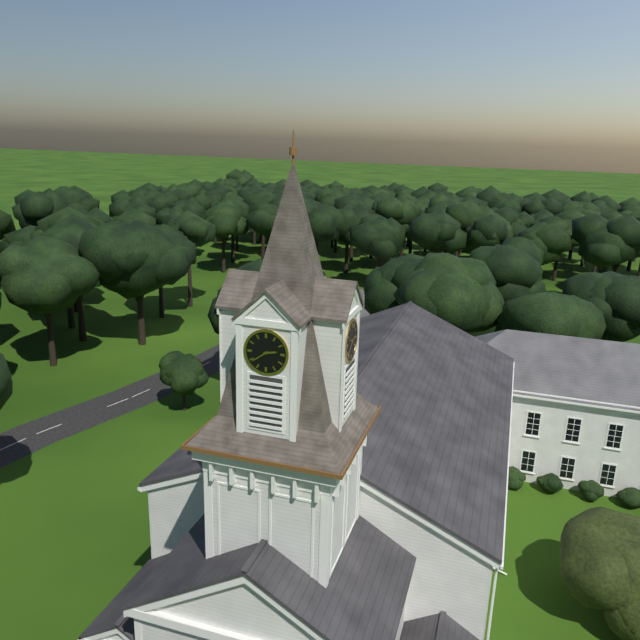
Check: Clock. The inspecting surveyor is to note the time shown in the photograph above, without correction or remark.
2:39
